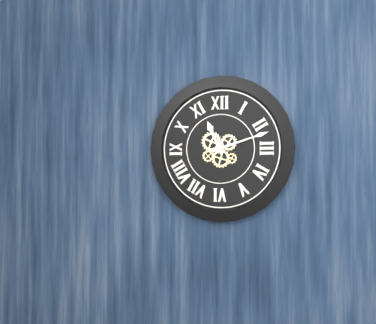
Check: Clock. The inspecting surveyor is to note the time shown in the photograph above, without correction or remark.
11:12
